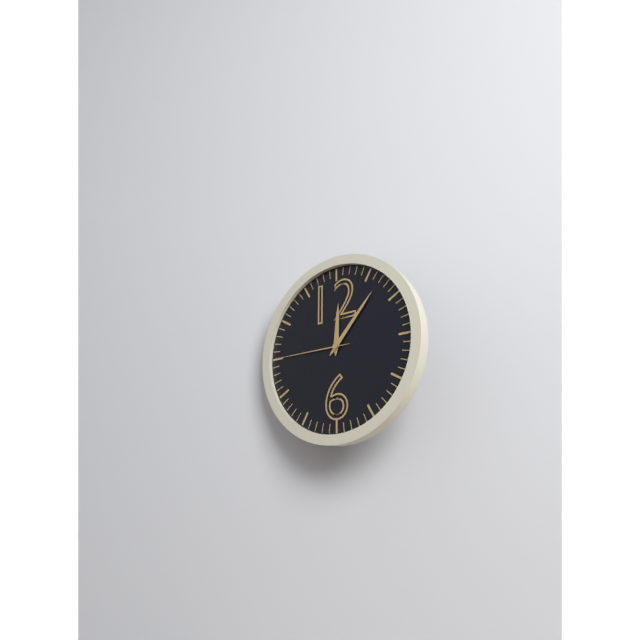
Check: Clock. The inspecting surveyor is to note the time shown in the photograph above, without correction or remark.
12:07:45
